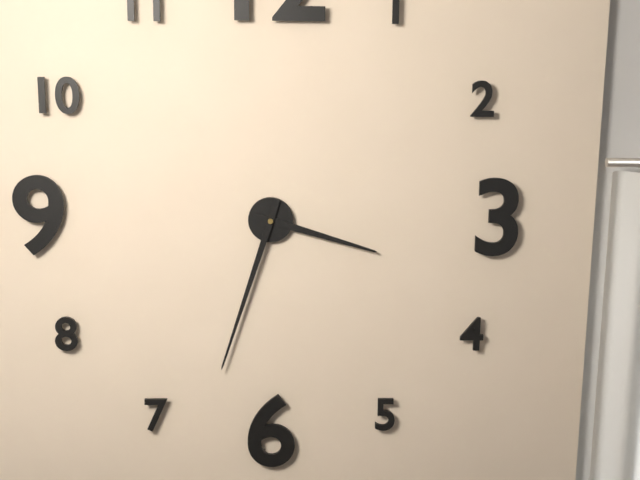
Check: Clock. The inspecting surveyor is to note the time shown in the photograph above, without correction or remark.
3:33
